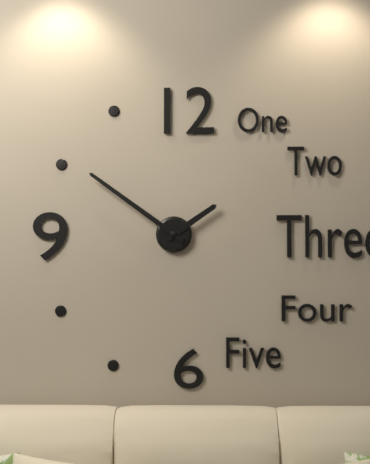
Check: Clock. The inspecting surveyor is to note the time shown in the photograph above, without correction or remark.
1:51
